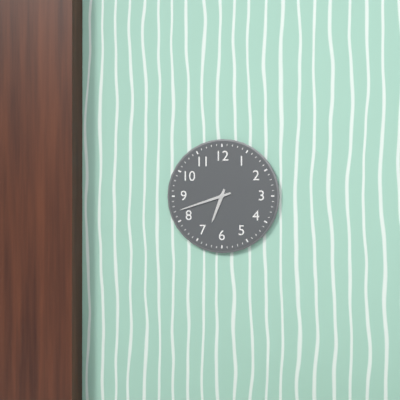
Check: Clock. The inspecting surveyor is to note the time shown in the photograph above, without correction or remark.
6:42
